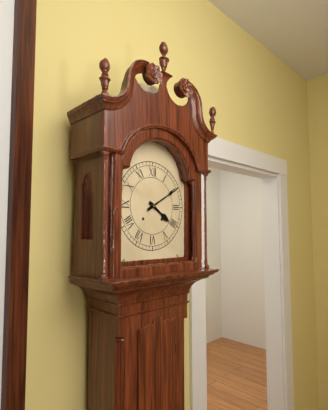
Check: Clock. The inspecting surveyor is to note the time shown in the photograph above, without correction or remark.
4:10
